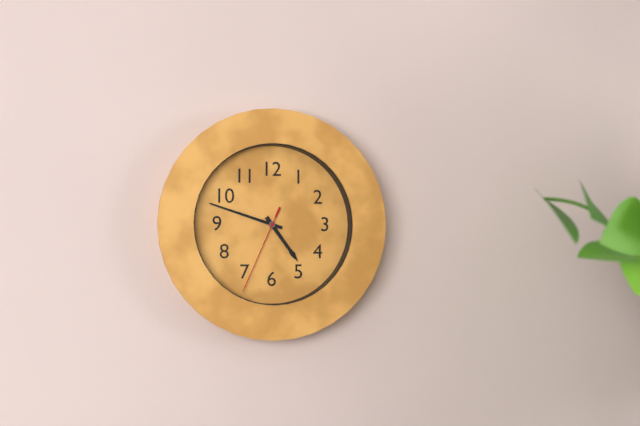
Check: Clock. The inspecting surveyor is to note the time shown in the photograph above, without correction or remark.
4:48:34
